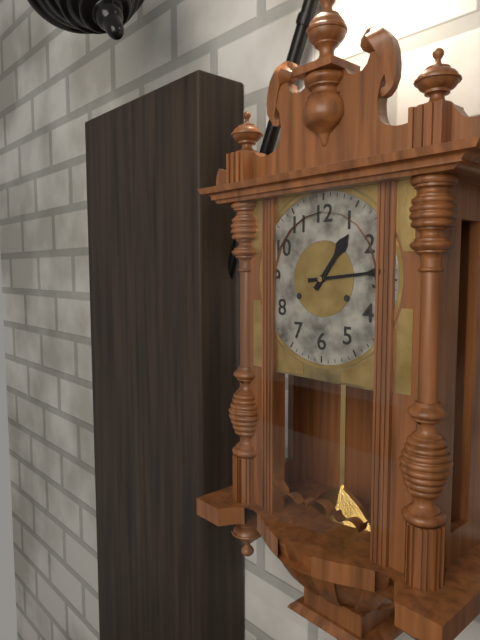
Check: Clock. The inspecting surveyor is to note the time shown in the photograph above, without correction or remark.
1:14
